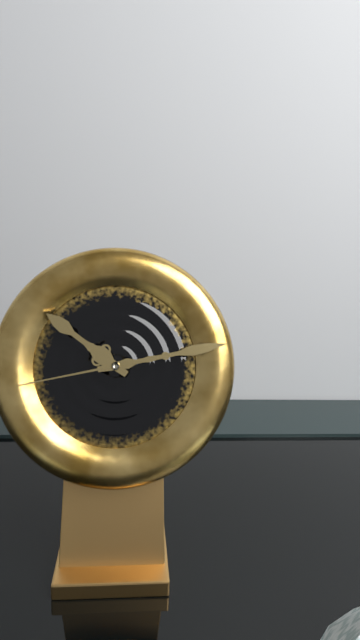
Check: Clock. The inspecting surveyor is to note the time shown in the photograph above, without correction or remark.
10:13:43
